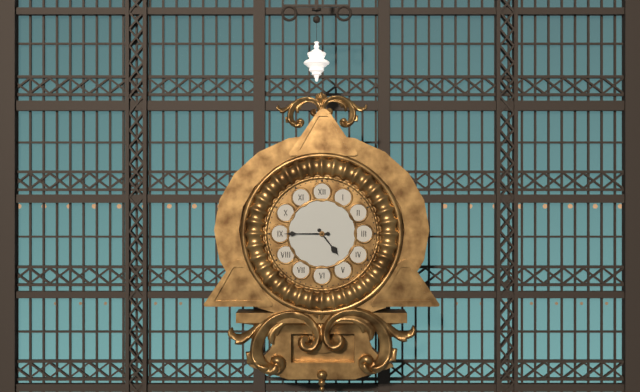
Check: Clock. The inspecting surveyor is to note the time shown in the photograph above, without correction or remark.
4:45
